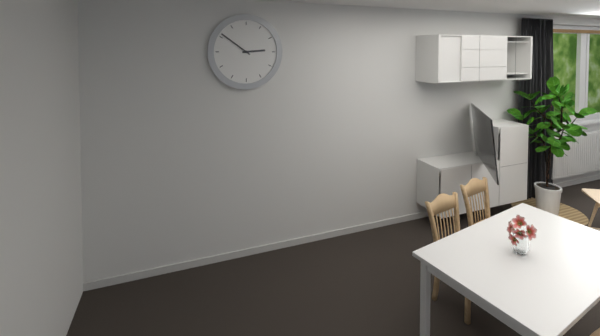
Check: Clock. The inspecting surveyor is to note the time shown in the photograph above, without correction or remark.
2:51
